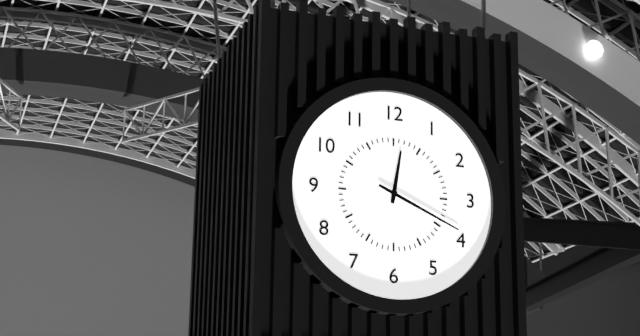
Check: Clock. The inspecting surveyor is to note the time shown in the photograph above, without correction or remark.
12:19
